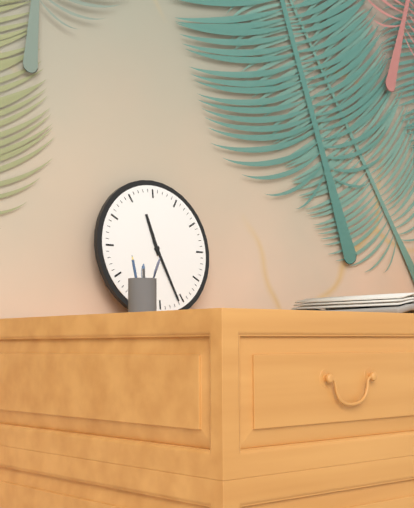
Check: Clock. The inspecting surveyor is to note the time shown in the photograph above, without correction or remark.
11:26
